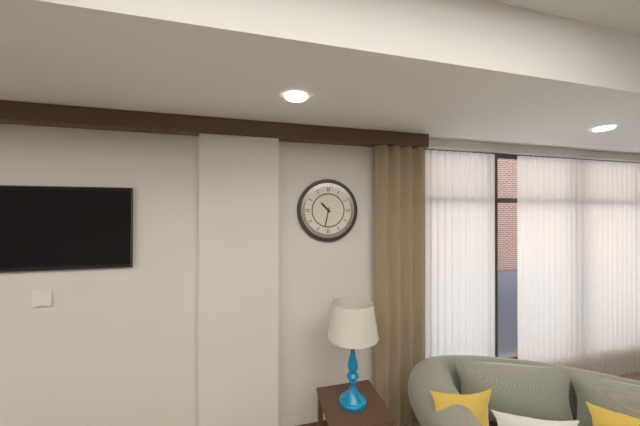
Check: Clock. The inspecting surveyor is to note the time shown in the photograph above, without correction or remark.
10:32
